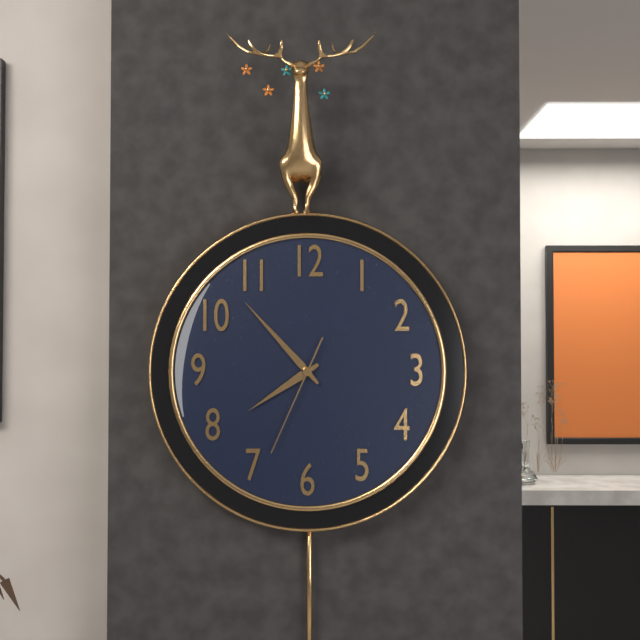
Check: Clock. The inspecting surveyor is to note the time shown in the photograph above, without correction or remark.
7:53:34
